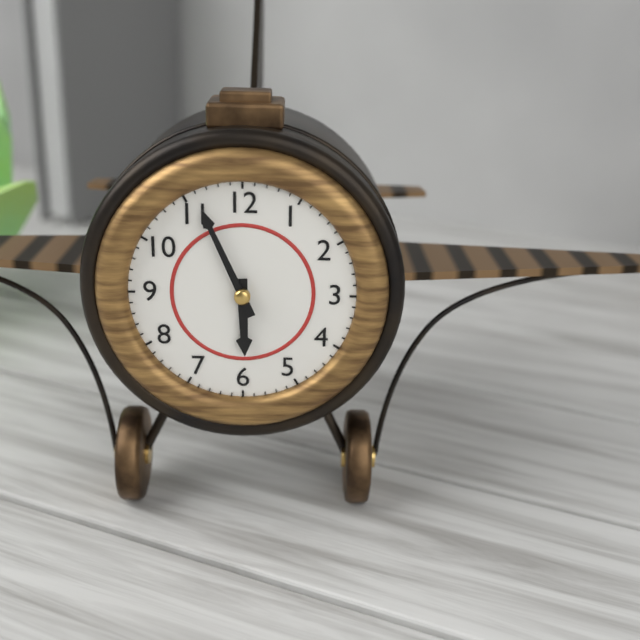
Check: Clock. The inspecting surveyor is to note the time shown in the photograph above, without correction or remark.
5:56
